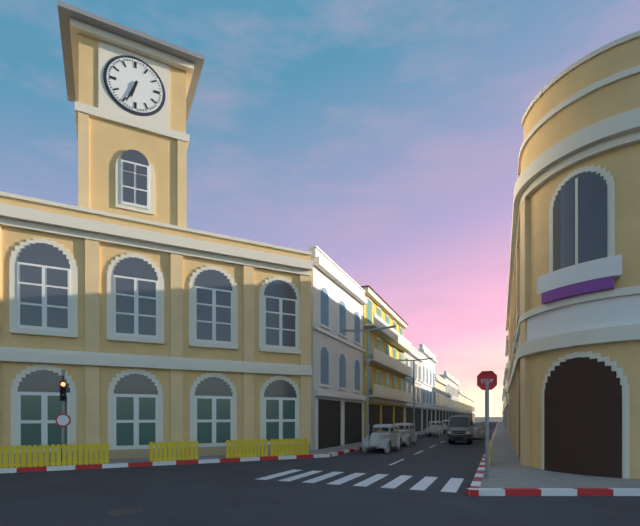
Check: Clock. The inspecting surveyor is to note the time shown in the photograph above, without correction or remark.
6:34
